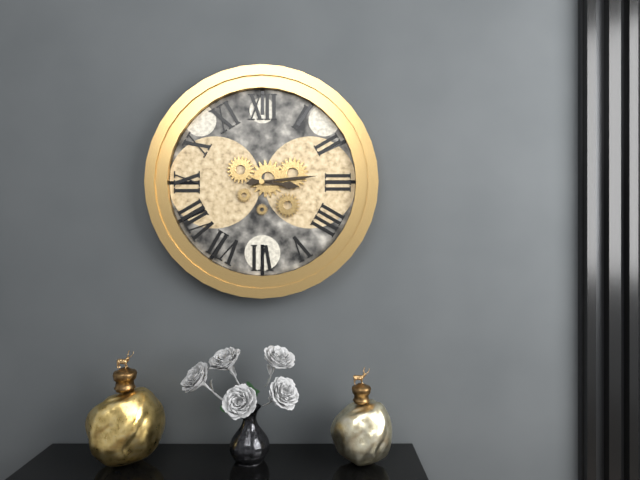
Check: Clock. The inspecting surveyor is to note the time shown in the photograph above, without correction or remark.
3:14
